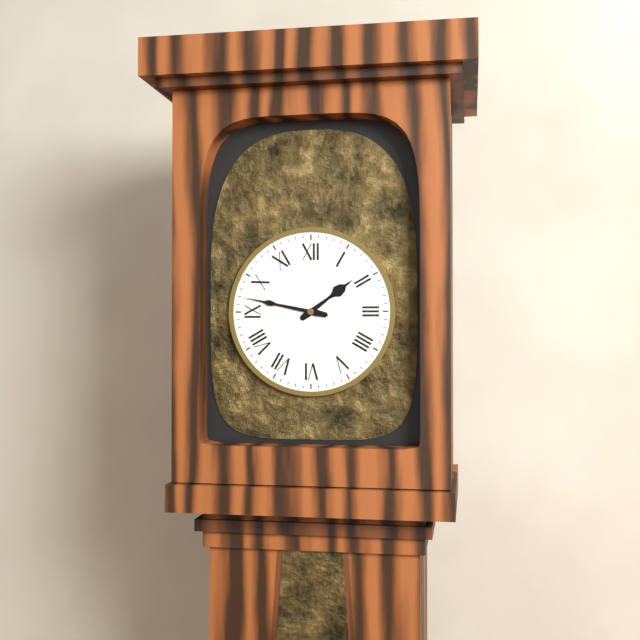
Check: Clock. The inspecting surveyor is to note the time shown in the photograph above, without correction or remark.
1:47
